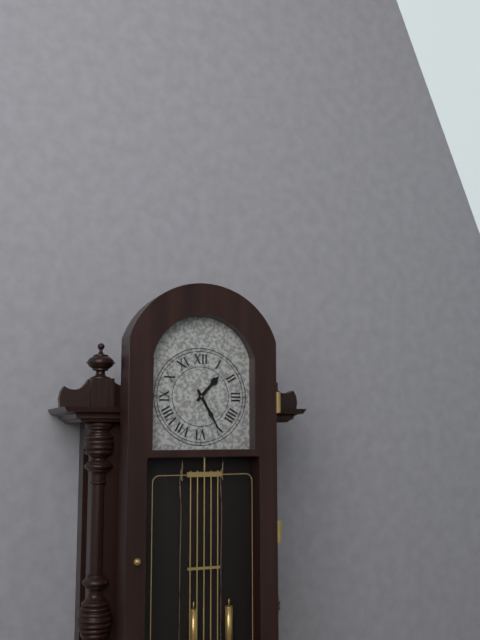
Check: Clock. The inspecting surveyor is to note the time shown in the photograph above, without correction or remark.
1:25
